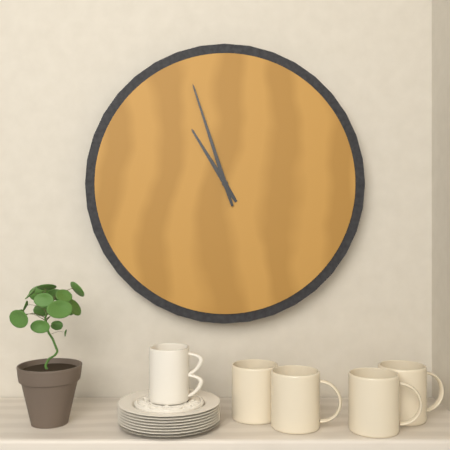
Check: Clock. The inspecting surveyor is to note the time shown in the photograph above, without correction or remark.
10:57
